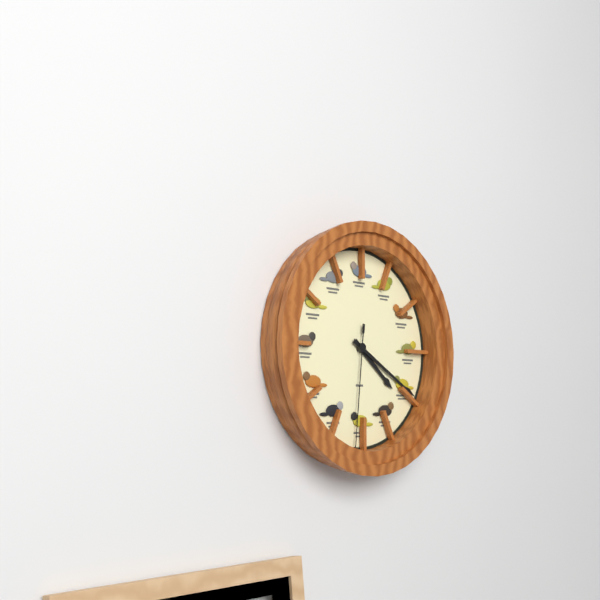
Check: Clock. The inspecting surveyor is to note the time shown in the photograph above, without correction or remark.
4:20:31
